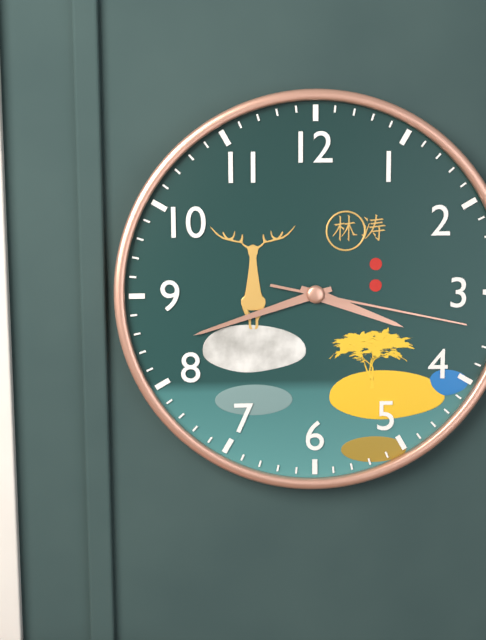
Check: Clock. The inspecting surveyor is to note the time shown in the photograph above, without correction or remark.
3:42:17
